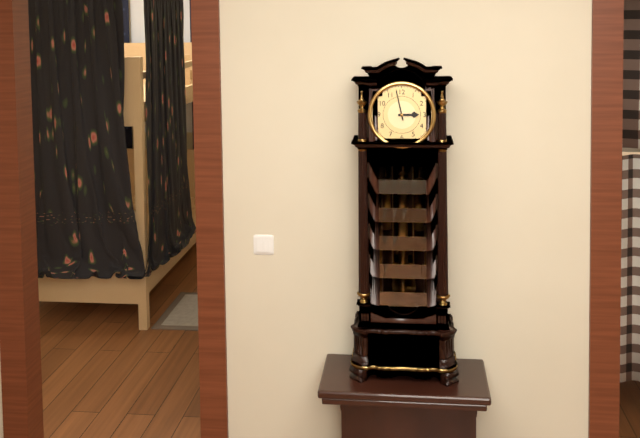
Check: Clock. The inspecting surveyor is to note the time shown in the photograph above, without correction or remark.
2:58
